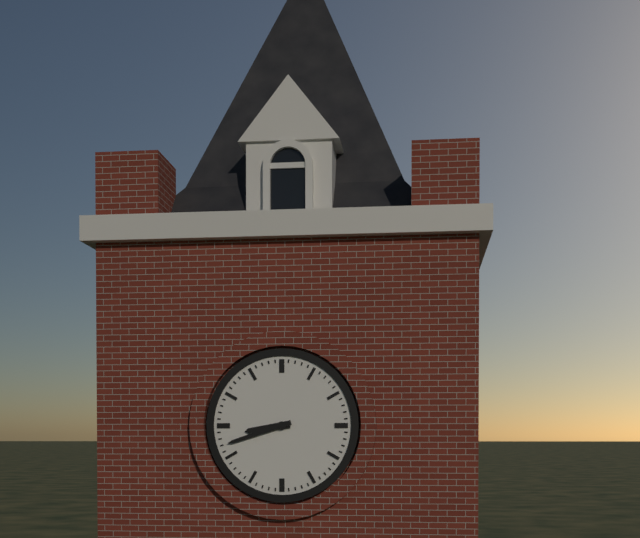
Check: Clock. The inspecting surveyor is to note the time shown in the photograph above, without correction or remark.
8:42
